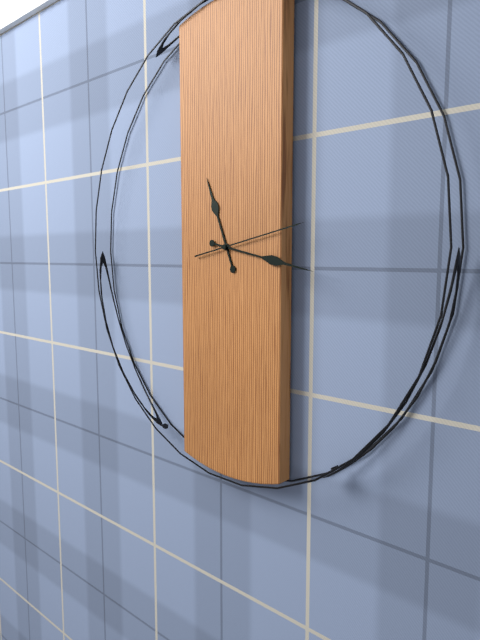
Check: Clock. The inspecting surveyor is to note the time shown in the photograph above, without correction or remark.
11:17:13
